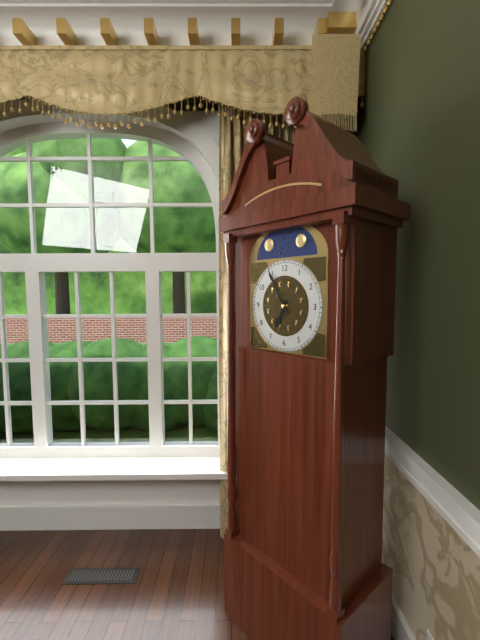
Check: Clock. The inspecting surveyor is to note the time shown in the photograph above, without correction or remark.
6:55
